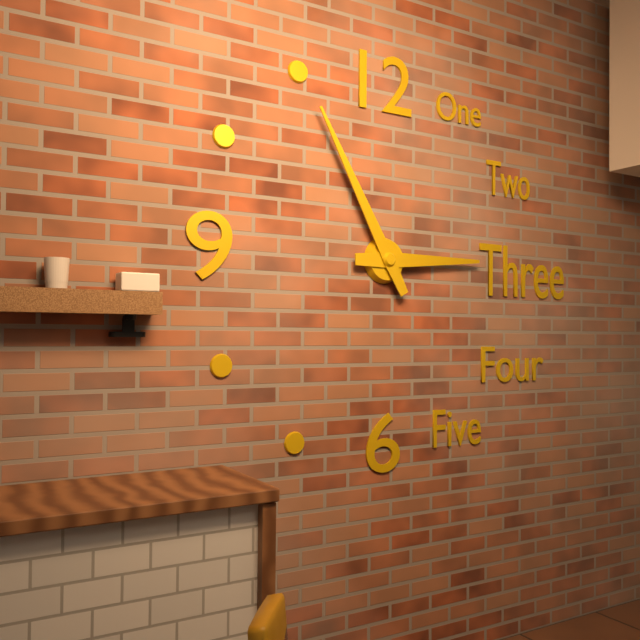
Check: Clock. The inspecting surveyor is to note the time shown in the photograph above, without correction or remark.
2:55
